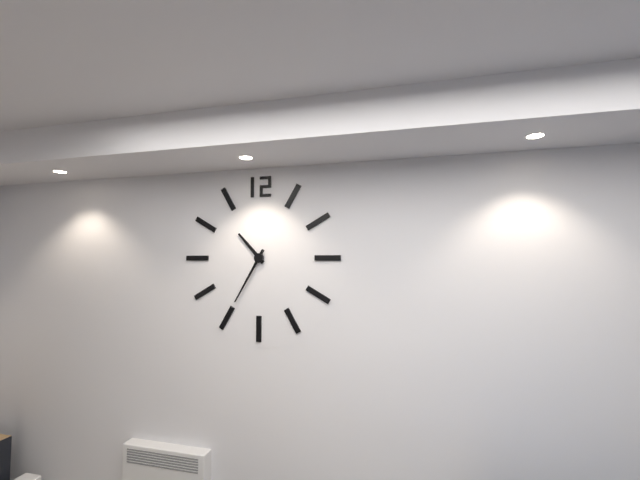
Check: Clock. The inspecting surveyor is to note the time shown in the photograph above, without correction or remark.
10:35
